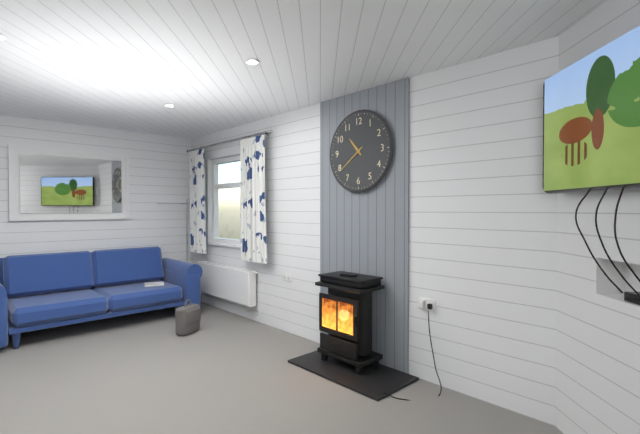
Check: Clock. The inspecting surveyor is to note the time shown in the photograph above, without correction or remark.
10:39
